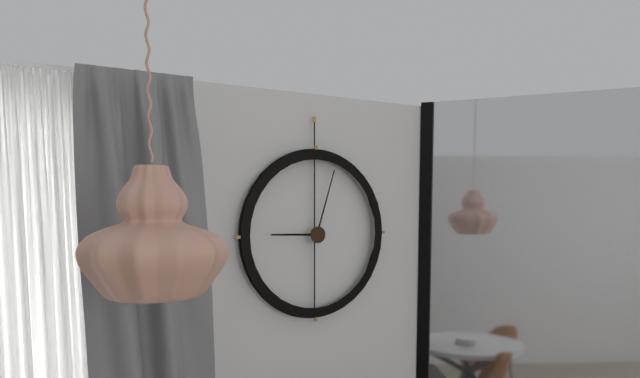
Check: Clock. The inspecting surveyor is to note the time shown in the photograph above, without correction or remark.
9:03
